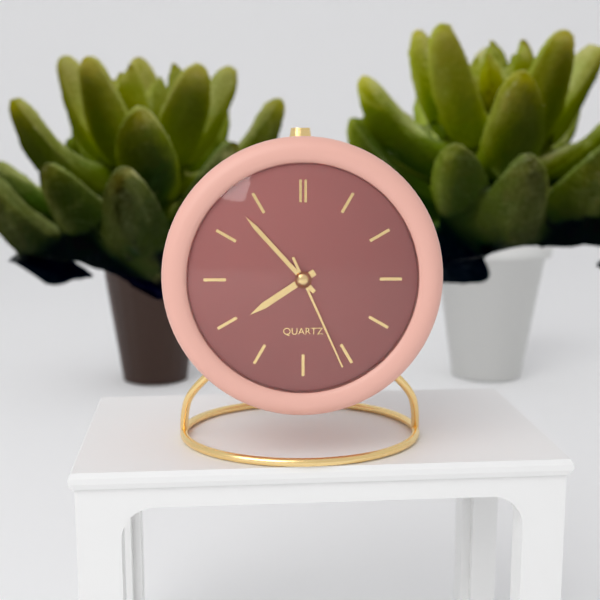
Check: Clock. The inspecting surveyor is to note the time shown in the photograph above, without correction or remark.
7:53:26
